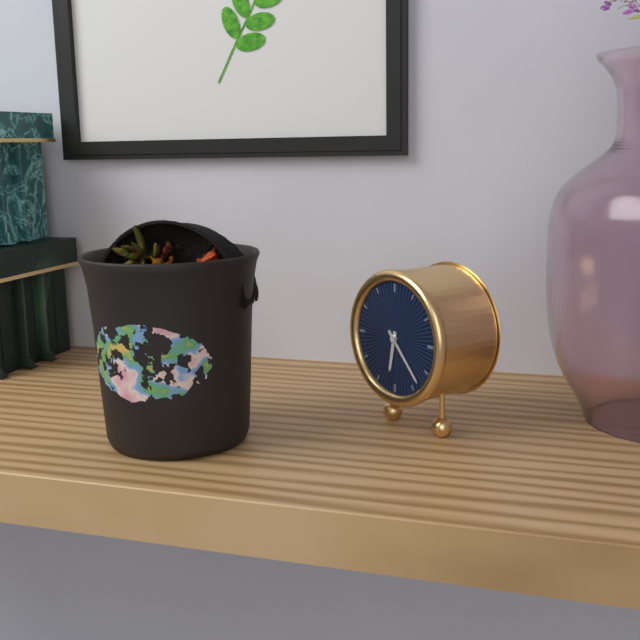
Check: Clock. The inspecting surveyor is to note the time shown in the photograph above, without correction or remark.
6:23
